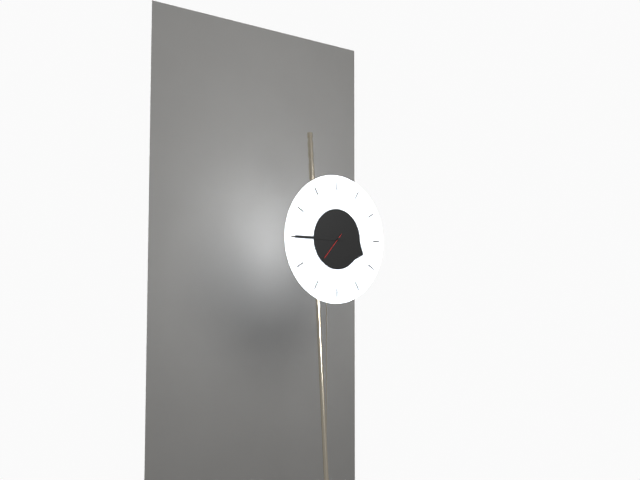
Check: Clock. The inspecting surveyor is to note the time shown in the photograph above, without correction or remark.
3:45
